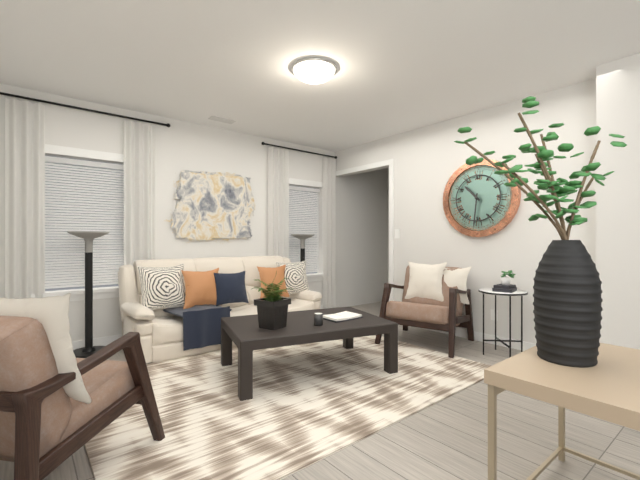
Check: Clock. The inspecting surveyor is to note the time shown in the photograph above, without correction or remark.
10:31
